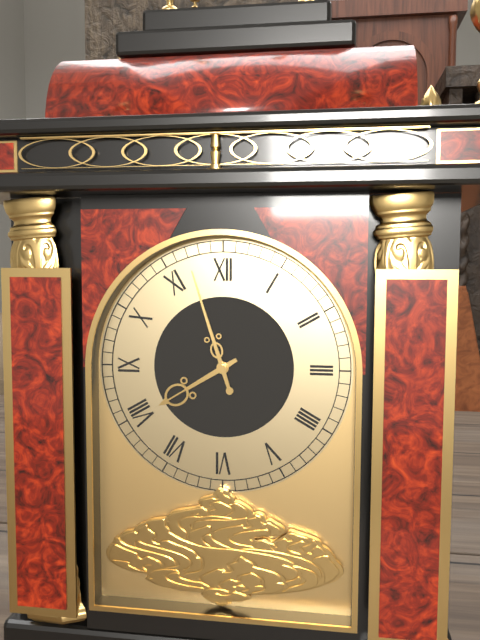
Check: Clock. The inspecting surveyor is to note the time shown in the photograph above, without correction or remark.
7:57
